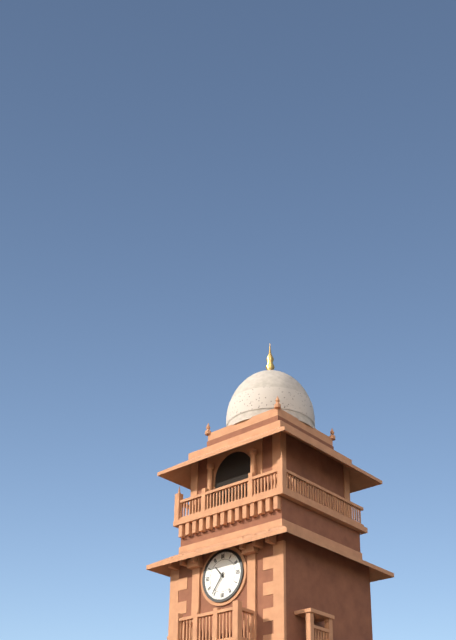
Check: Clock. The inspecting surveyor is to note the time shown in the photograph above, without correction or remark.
10:36
